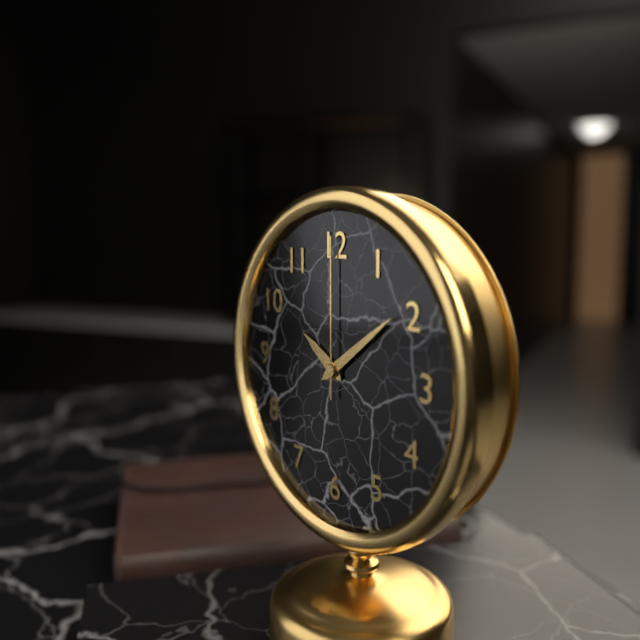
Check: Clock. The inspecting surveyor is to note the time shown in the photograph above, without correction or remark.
10:09:00
